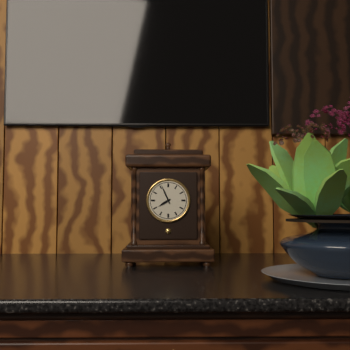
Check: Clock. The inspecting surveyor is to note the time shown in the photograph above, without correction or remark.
7:56
